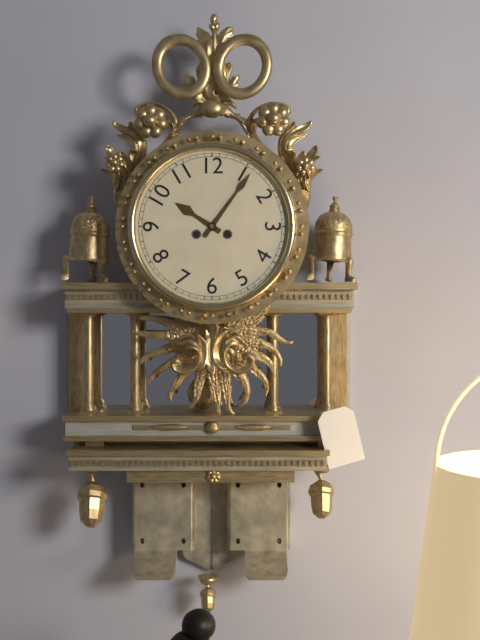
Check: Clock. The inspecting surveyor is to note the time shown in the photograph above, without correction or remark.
10:06
